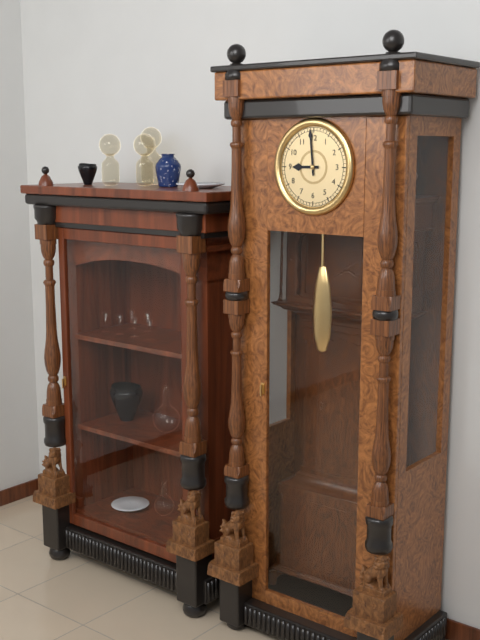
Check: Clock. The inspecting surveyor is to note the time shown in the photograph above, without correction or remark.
8:59
